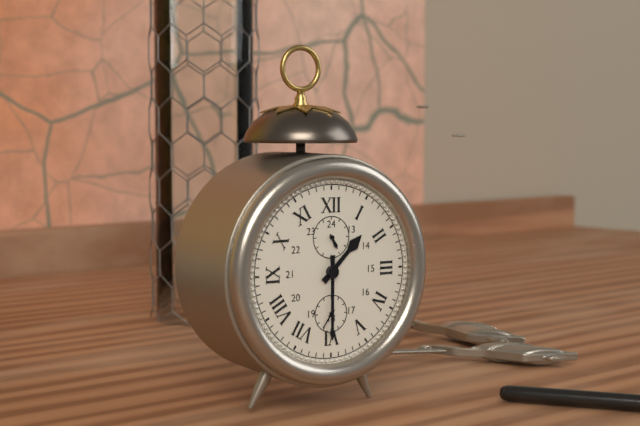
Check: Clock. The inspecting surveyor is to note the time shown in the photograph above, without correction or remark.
1:30
